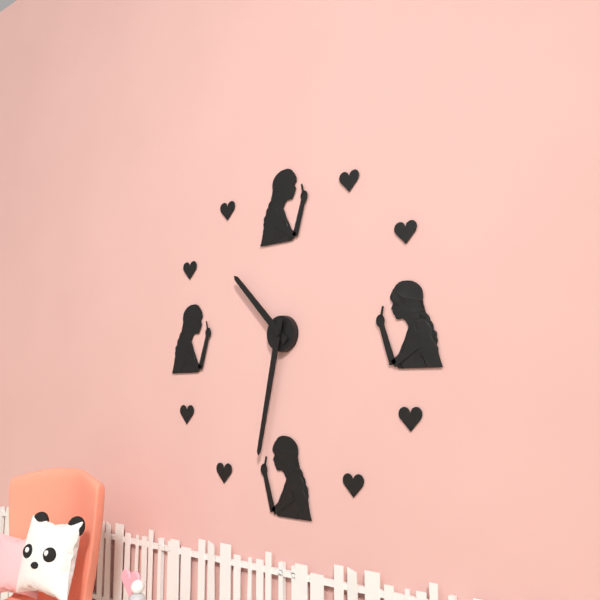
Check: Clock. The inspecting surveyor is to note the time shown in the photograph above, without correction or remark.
10:32
